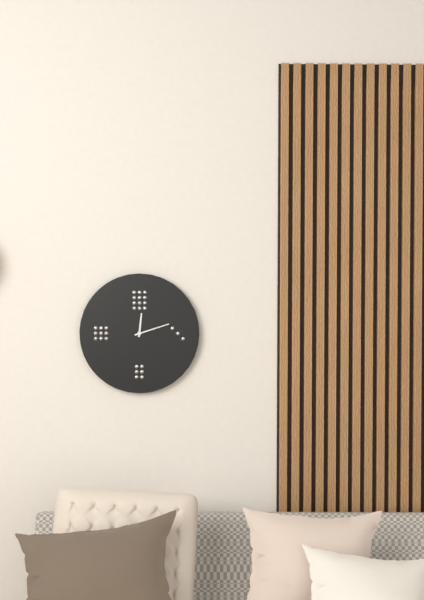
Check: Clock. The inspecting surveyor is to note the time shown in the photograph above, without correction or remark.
12:12
